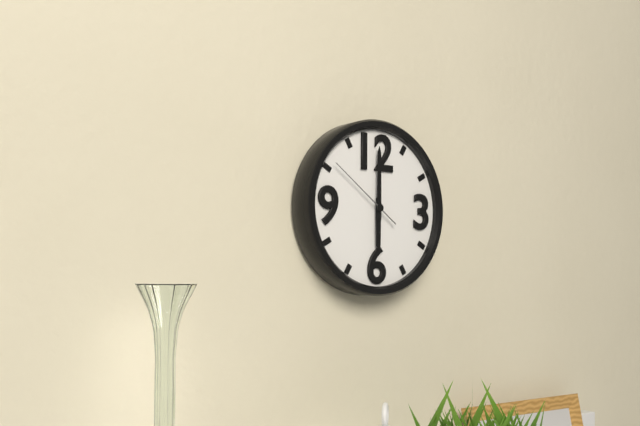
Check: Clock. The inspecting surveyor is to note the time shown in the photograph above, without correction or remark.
6:00:51
